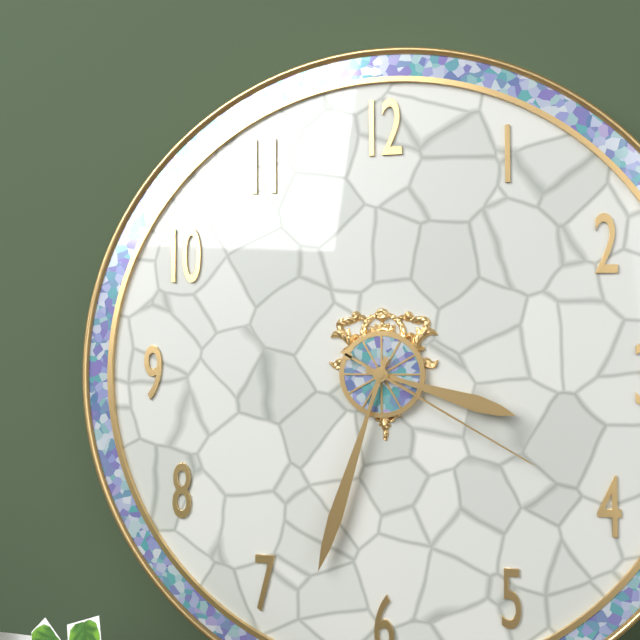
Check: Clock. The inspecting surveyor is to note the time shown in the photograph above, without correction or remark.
3:33:20
